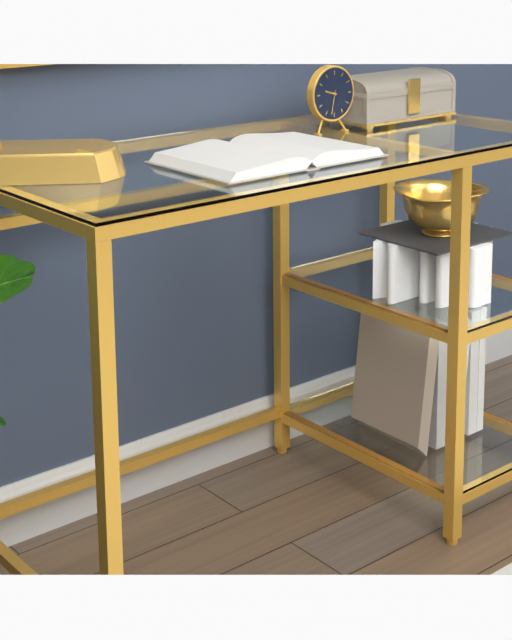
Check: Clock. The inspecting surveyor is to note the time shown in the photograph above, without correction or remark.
9:32
